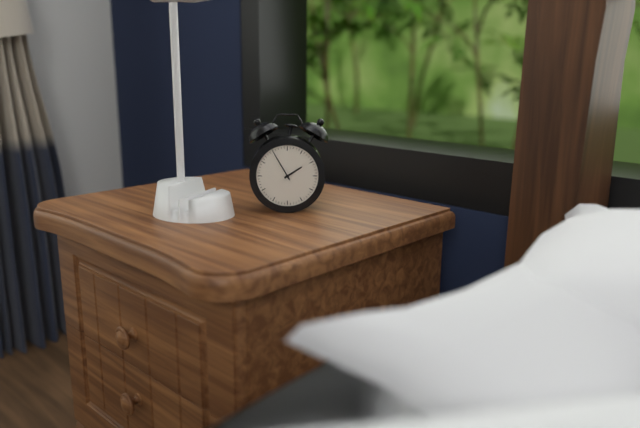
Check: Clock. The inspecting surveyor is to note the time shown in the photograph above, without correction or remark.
1:55
